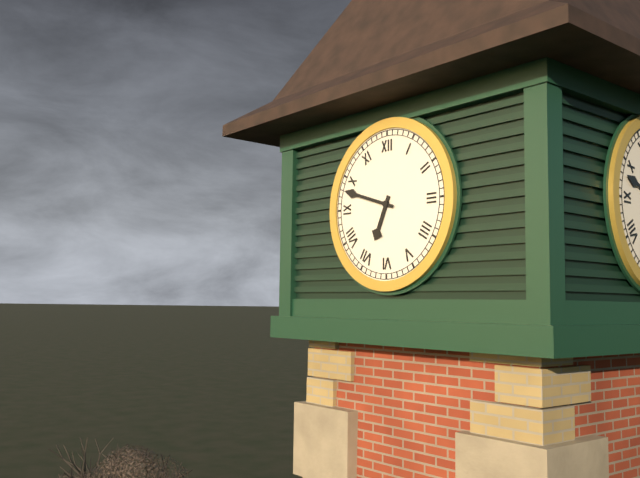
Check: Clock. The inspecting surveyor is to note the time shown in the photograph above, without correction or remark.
6:48
